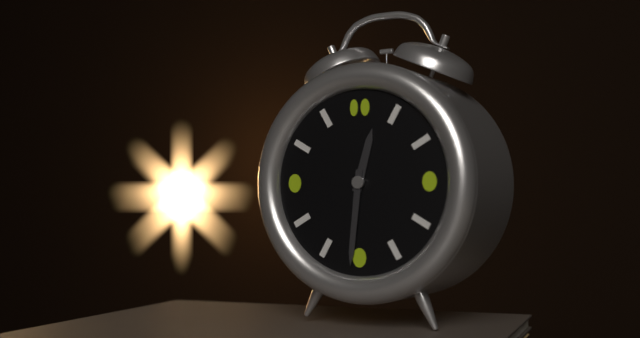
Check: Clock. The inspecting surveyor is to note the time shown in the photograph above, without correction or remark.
12:31
